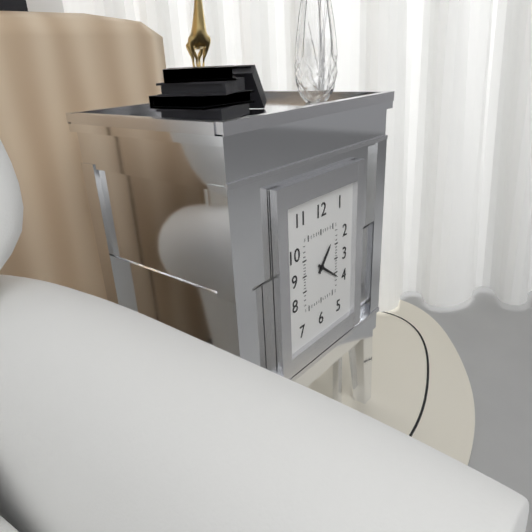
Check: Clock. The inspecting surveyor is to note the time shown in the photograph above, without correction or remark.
1:21
